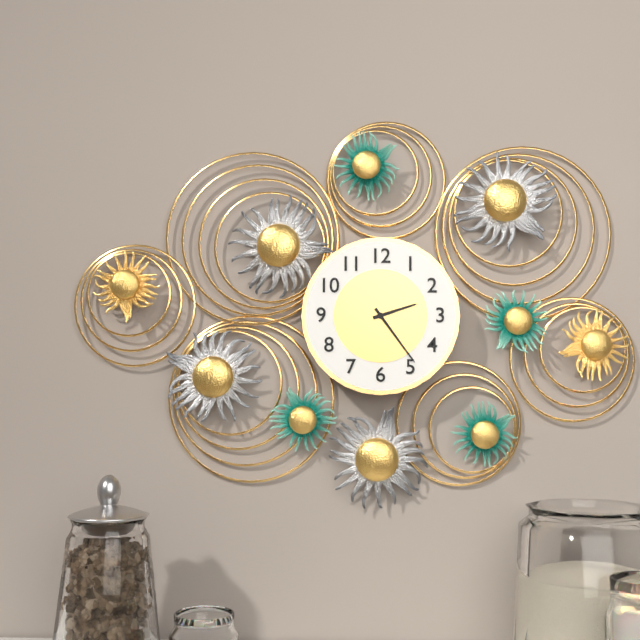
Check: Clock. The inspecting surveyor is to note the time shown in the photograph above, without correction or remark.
2:24
